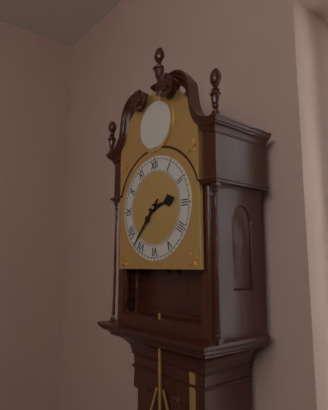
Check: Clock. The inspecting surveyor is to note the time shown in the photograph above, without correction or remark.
2:37
